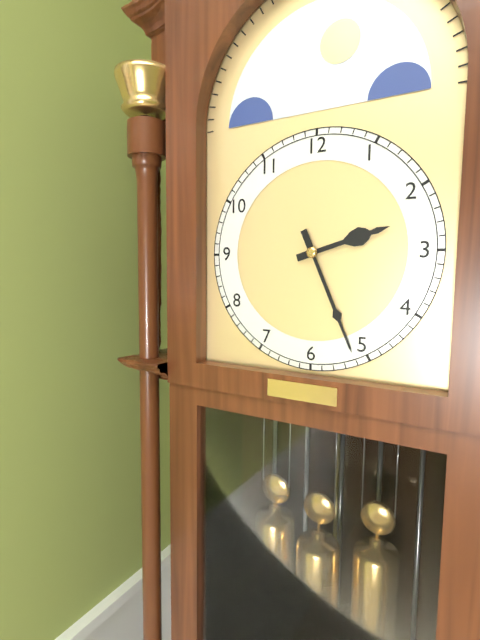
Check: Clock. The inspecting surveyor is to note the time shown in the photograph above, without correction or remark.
2:26
